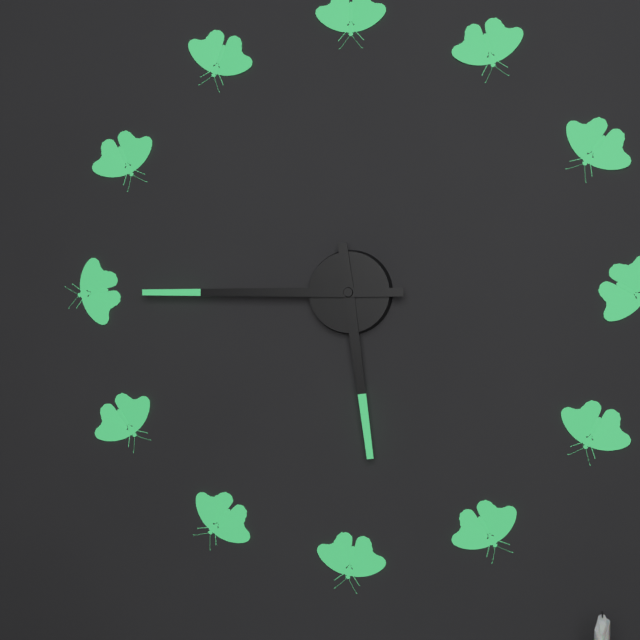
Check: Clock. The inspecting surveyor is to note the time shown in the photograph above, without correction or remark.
5:45
